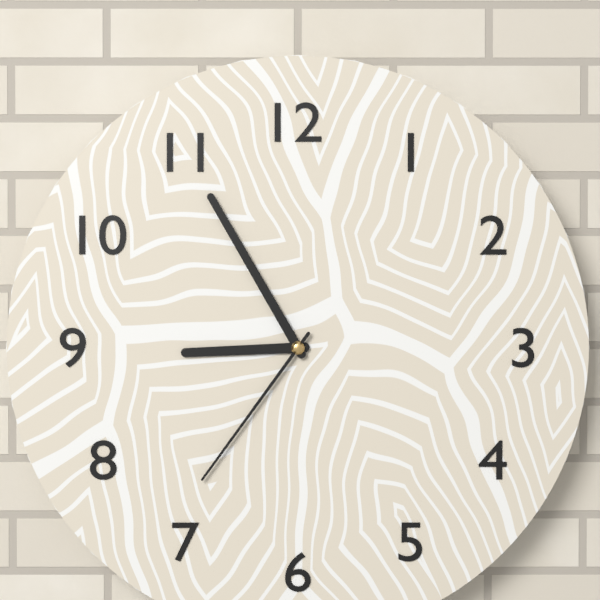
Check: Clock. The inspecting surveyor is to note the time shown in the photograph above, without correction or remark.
8:55:36
